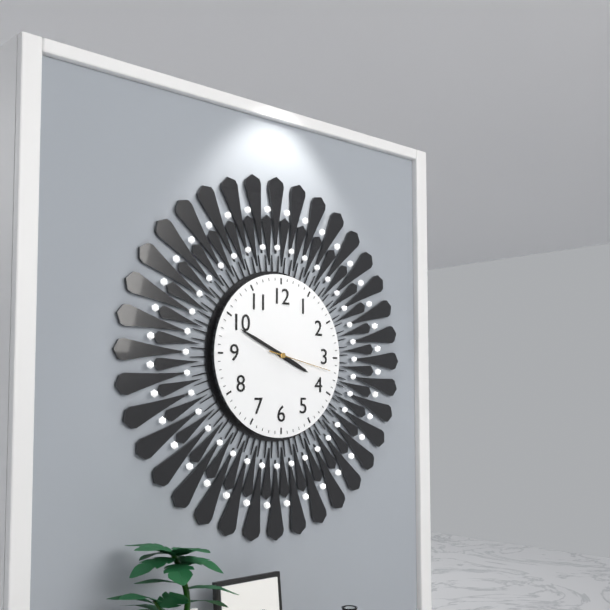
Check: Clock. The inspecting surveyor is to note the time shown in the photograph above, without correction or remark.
3:49:17
